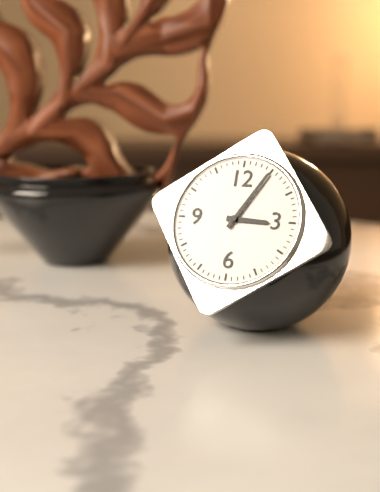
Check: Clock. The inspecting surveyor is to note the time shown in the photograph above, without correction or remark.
3:05
